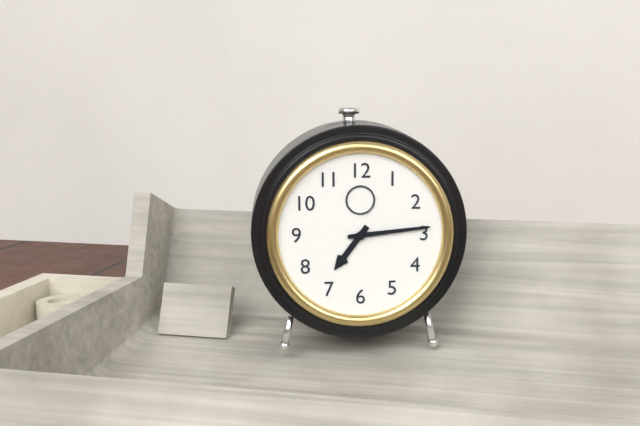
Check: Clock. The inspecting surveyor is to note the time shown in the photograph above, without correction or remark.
7:14
